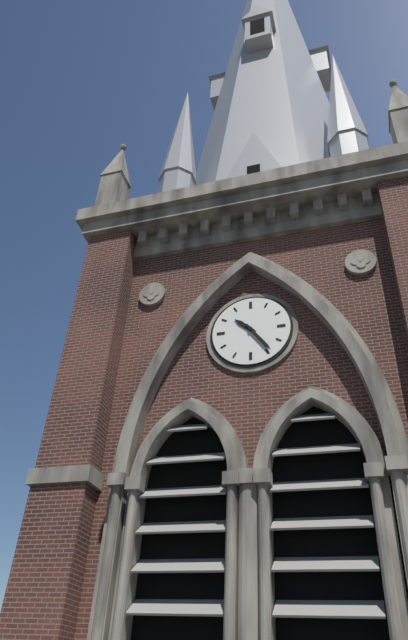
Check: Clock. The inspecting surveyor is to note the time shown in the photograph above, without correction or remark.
10:24
